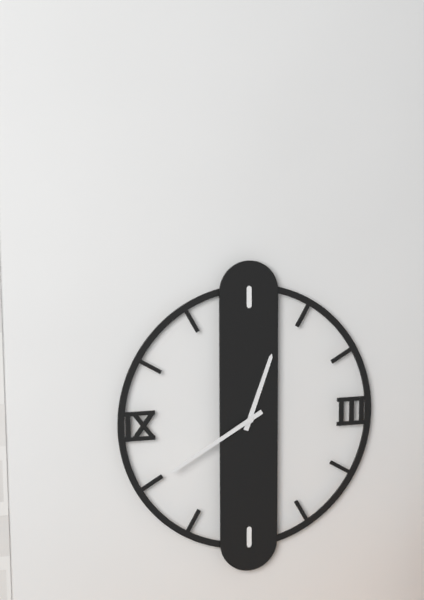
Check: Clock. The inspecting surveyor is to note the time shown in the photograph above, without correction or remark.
12:40
